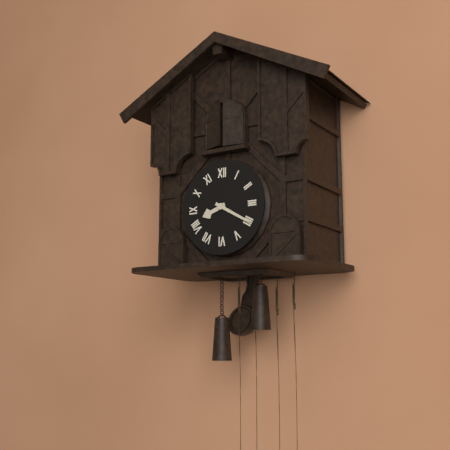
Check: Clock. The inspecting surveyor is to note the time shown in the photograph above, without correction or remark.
8:20
